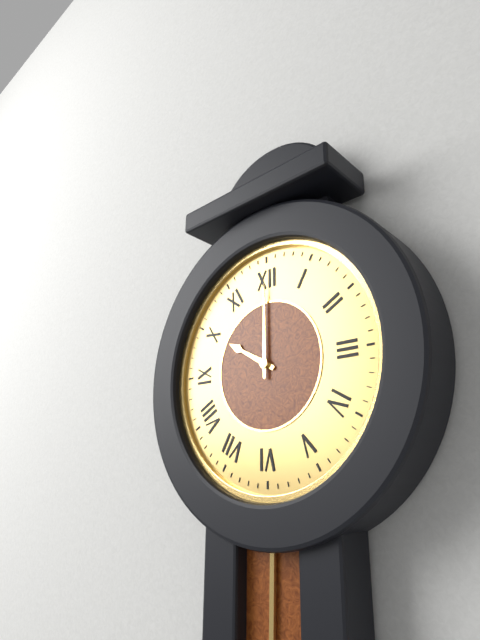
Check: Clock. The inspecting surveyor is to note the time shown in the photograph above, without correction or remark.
10:00
